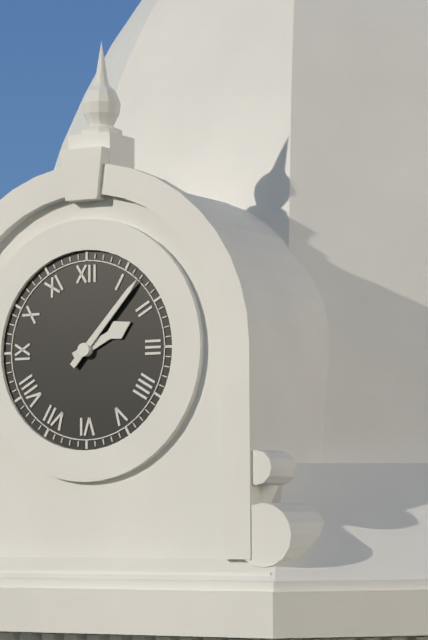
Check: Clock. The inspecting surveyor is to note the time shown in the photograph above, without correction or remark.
2:07
